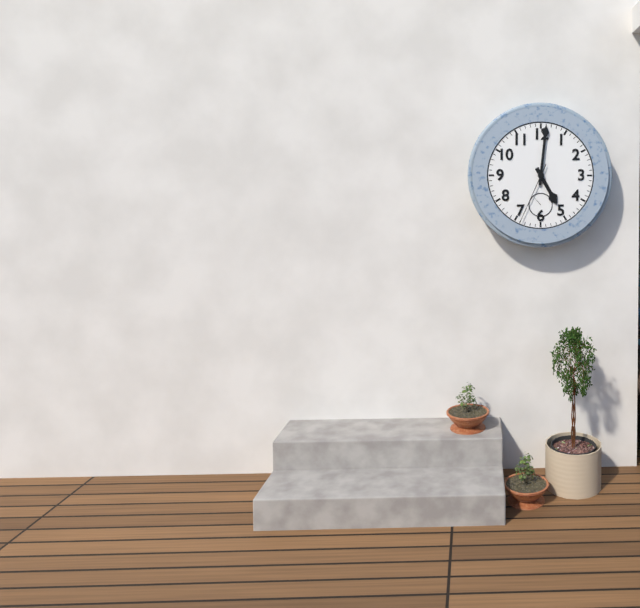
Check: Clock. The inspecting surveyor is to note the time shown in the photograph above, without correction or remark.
5:01:34
